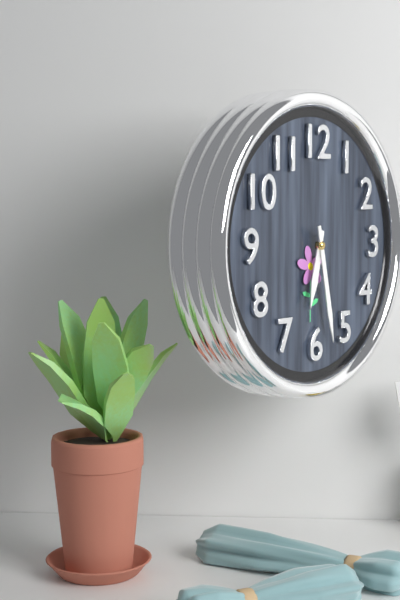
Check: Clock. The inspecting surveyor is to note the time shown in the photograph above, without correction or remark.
6:28
